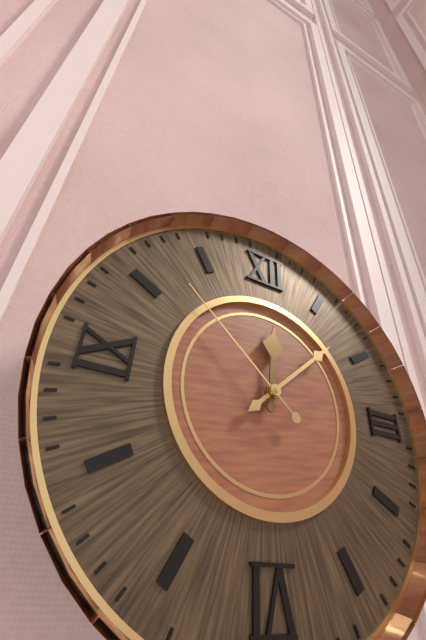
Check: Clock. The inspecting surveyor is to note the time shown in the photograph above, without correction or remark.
12:08:52
